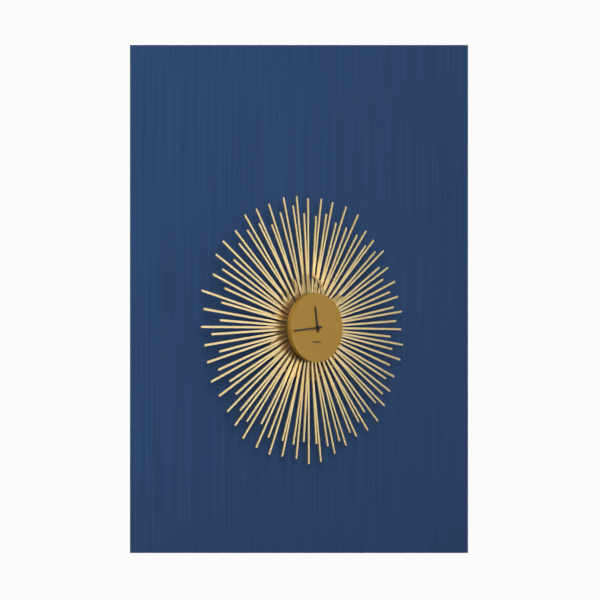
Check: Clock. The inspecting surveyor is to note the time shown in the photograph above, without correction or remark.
11:44
